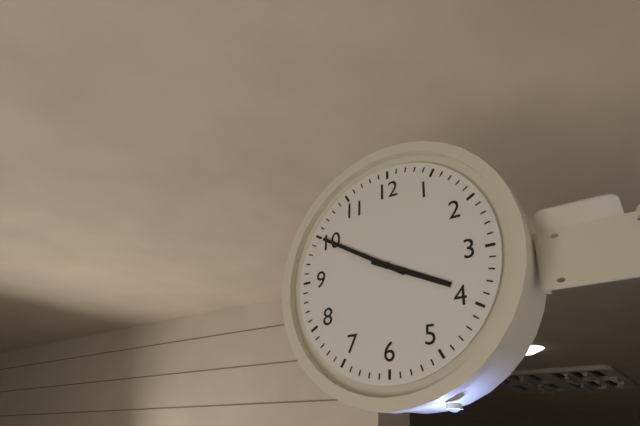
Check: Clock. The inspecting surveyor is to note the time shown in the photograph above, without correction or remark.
3:50
